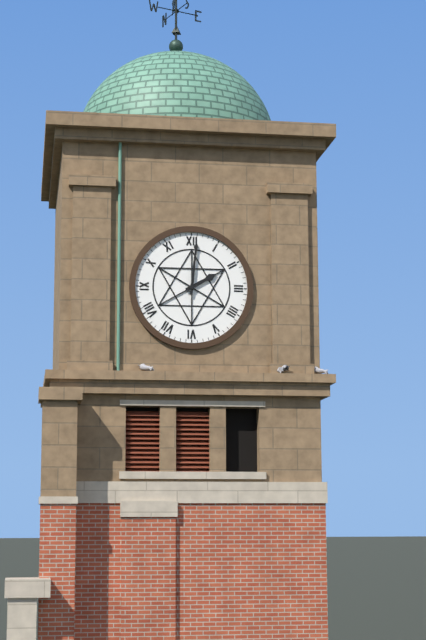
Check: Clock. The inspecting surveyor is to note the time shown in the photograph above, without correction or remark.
2:01
